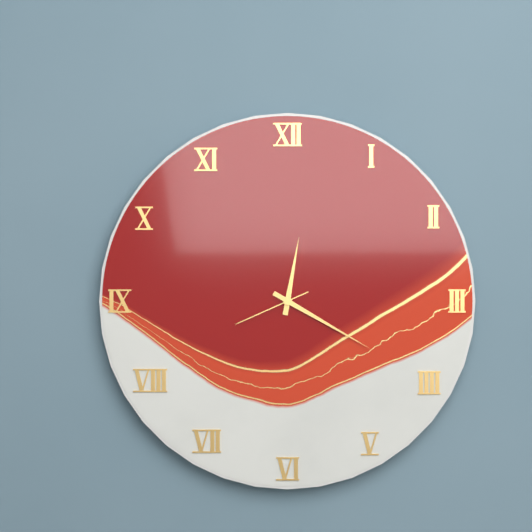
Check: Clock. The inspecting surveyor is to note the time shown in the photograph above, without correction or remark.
12:20:41
